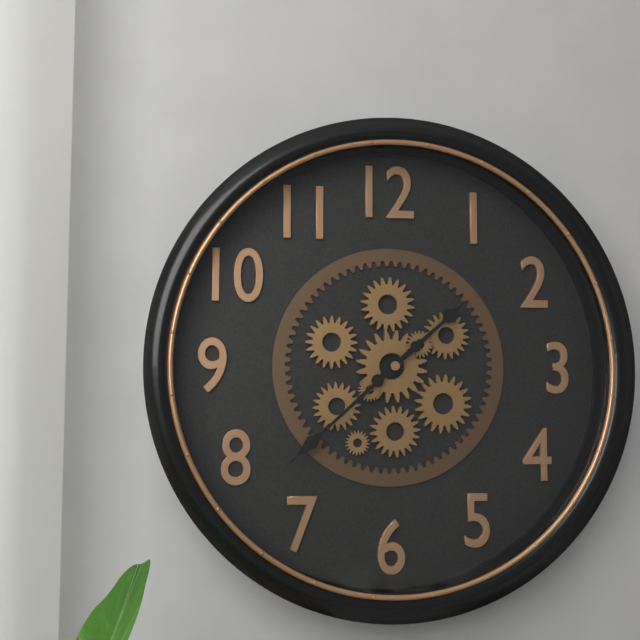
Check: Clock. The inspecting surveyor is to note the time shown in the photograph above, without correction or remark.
1:38
